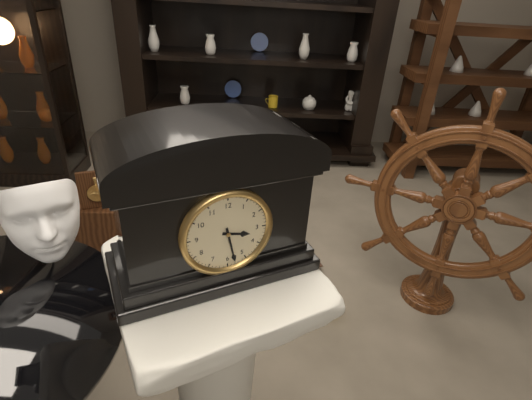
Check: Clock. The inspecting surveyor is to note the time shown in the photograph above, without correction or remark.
3:28
